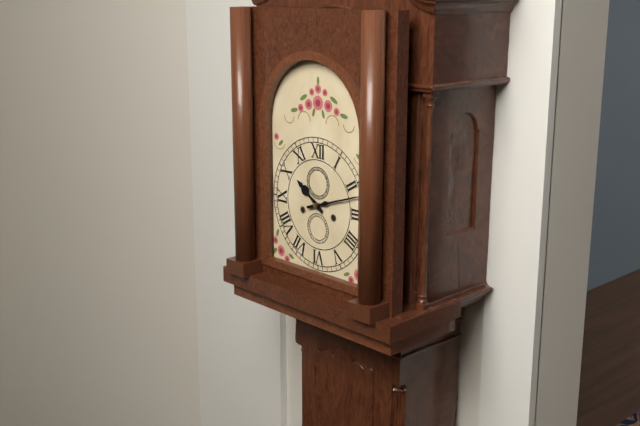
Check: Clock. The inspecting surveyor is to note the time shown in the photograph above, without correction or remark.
10:12
